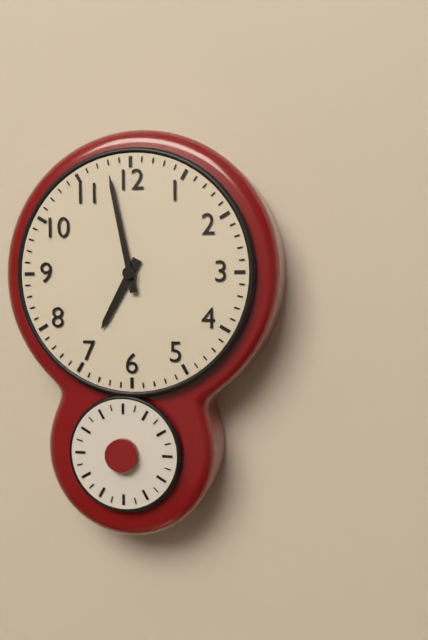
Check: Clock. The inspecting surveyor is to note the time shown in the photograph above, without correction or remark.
6:58
